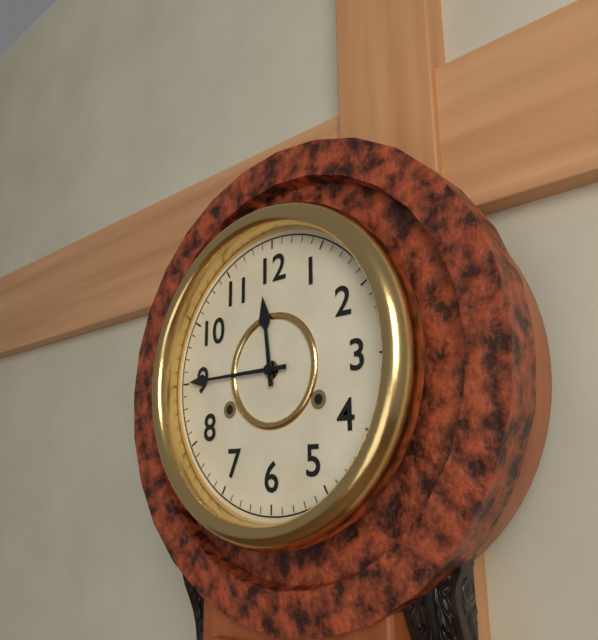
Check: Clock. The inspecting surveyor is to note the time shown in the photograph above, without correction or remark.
11:45
